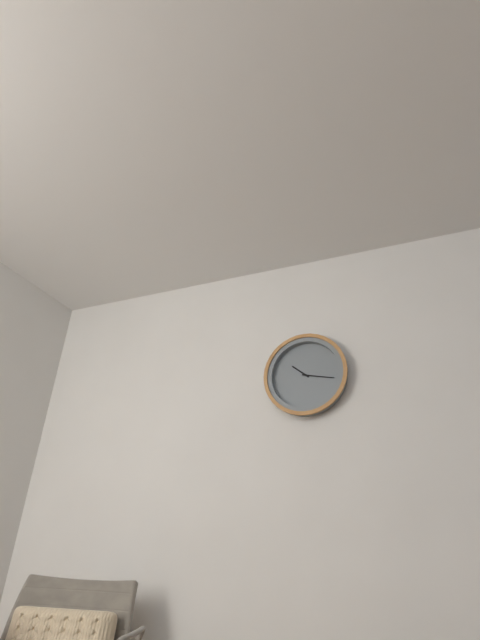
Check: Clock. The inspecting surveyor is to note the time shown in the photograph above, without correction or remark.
10:17
